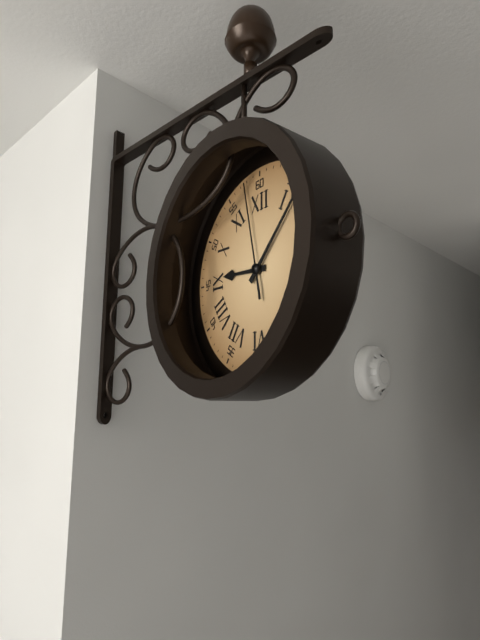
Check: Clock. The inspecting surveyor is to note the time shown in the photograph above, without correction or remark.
9:07:58
